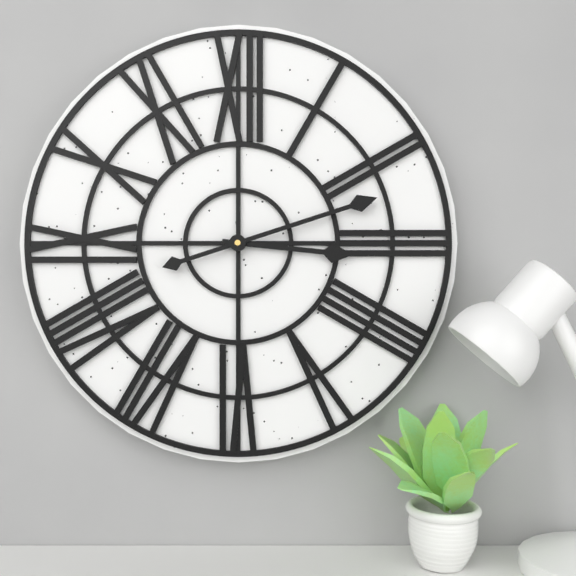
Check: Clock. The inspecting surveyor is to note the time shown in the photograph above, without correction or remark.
3:12
